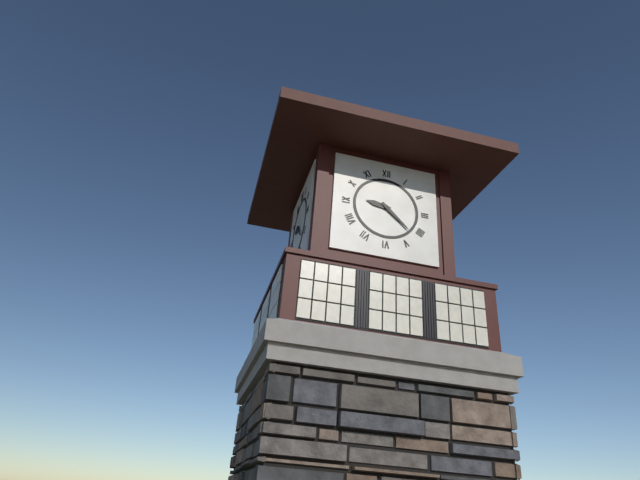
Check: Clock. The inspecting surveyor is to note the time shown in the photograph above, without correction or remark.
9:22
